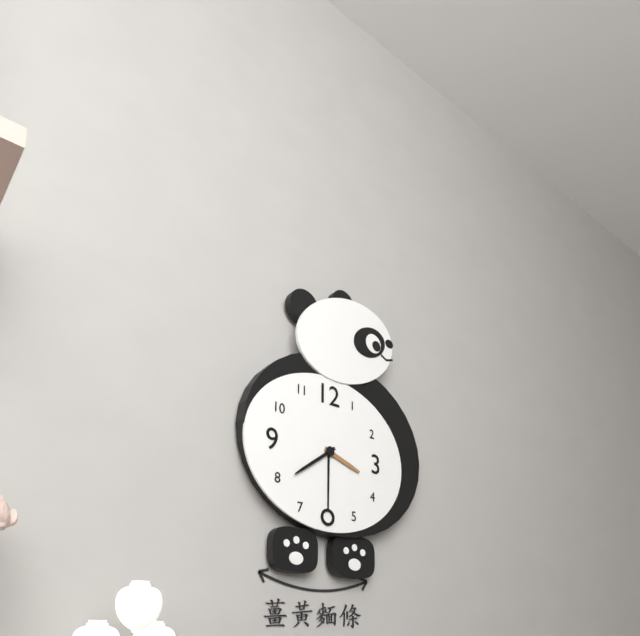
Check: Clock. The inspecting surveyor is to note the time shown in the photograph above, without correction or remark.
3:39
